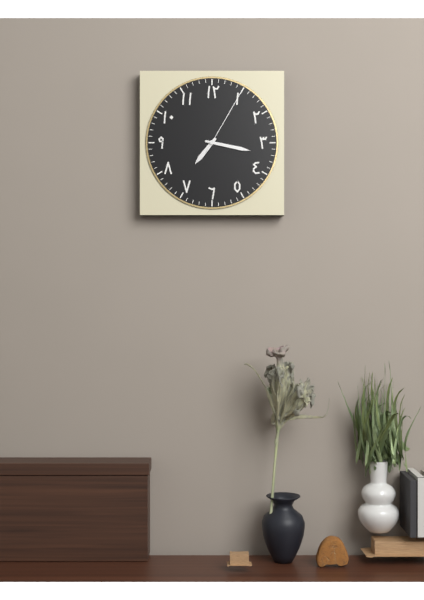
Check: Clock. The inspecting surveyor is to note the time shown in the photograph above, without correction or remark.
7:17:05
